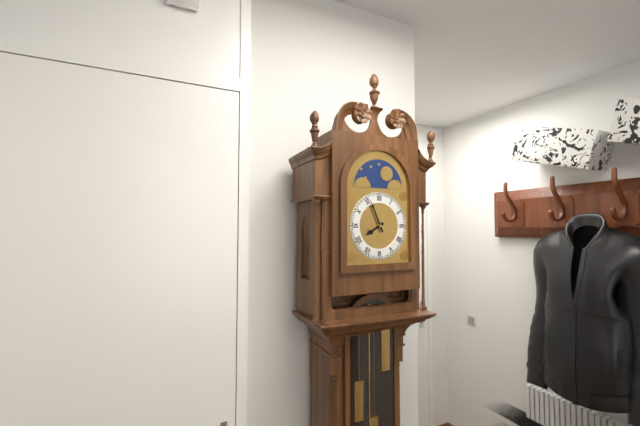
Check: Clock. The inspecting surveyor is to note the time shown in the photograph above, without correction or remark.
7:56
